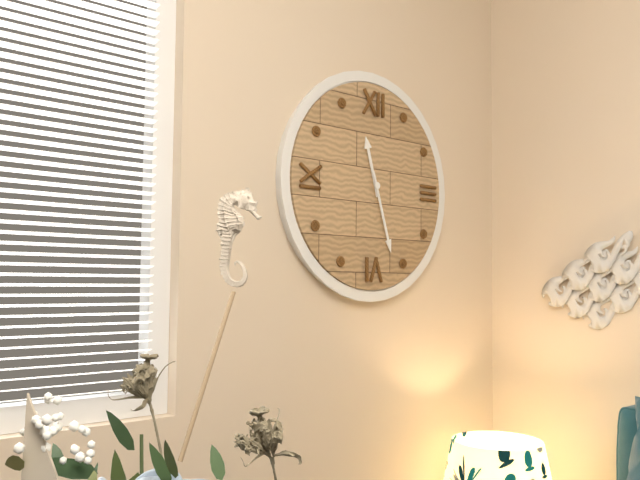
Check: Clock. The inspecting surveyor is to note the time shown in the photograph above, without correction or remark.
11:27
